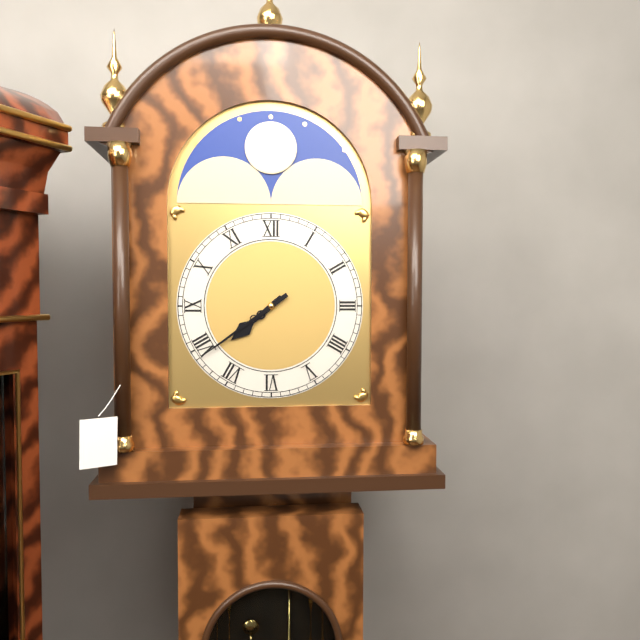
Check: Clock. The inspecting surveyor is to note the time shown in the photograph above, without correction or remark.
7:39
